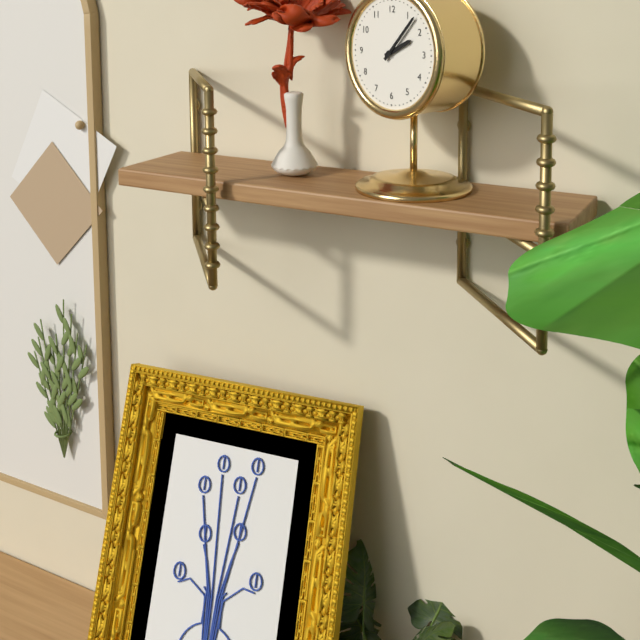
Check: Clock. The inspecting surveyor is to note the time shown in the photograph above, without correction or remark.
2:07
